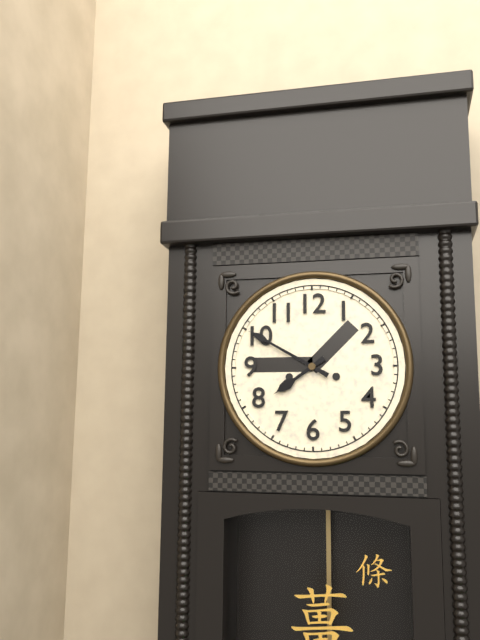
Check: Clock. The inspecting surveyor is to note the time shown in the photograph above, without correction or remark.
7:50
